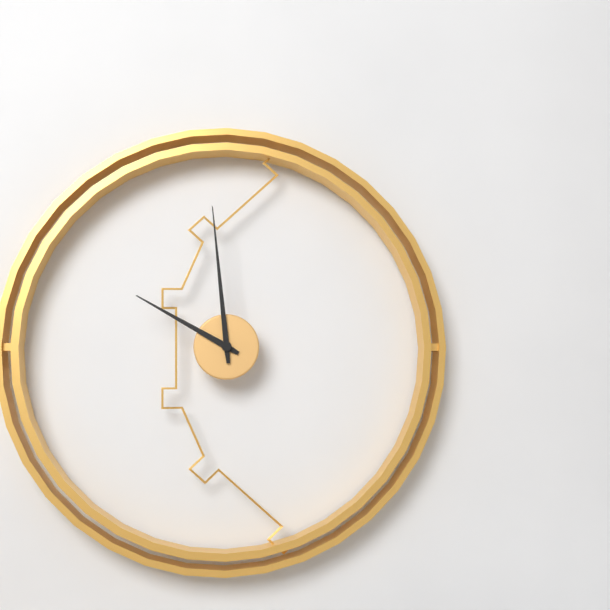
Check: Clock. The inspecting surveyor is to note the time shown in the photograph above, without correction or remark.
9:59
